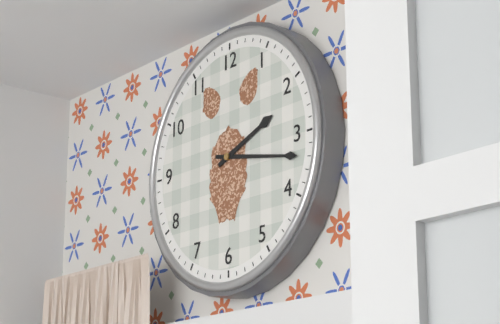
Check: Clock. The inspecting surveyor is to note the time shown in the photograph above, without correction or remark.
2:17
